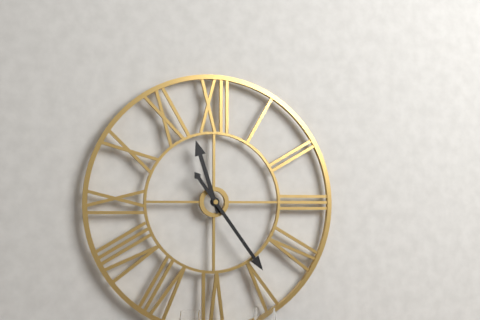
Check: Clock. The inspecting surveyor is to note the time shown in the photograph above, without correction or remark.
11:24
